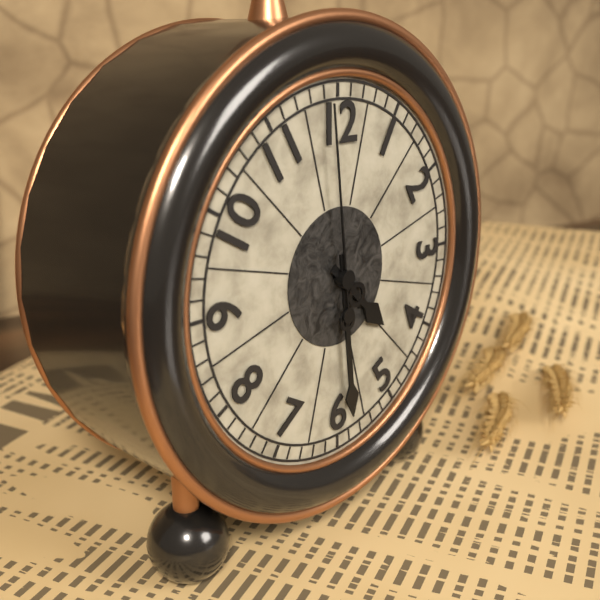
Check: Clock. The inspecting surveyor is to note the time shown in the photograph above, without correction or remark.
4:29:59
